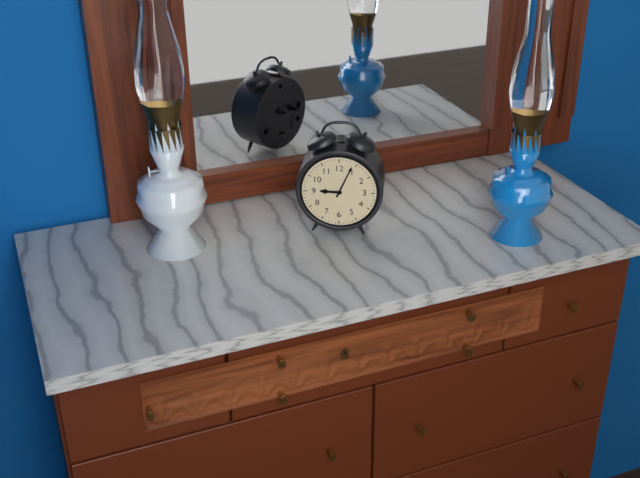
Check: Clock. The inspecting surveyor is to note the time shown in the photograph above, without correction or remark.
9:04
